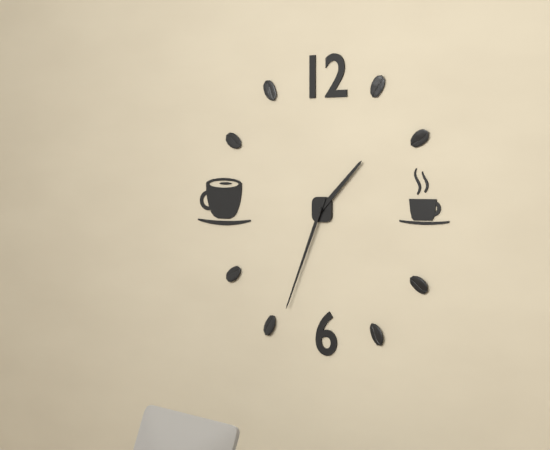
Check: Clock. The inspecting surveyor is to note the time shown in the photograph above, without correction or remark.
1:34
